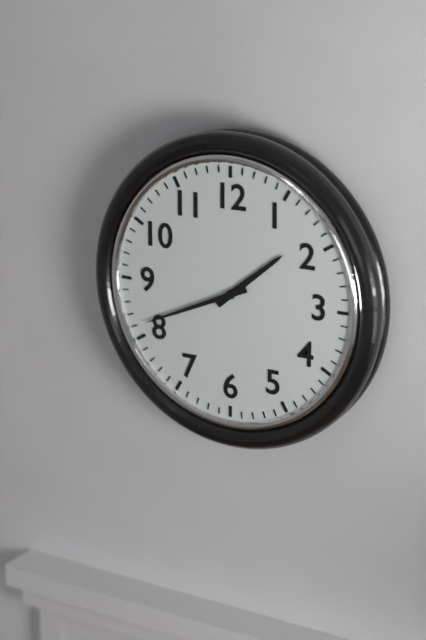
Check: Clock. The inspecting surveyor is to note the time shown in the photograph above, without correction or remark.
1:41
